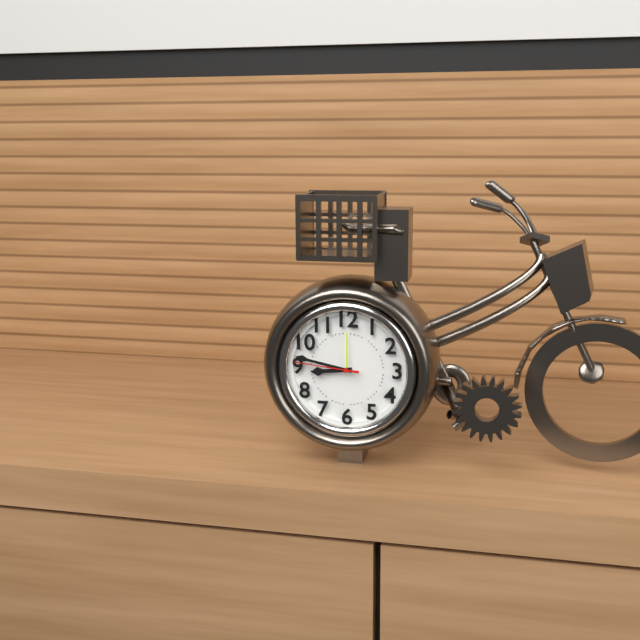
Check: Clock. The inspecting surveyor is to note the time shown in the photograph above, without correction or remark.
8:47:46
